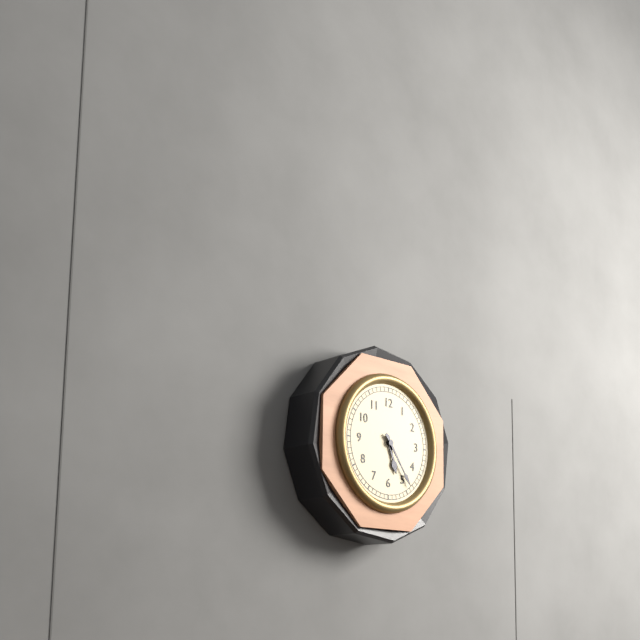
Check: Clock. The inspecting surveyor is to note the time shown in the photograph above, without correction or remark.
5:24
